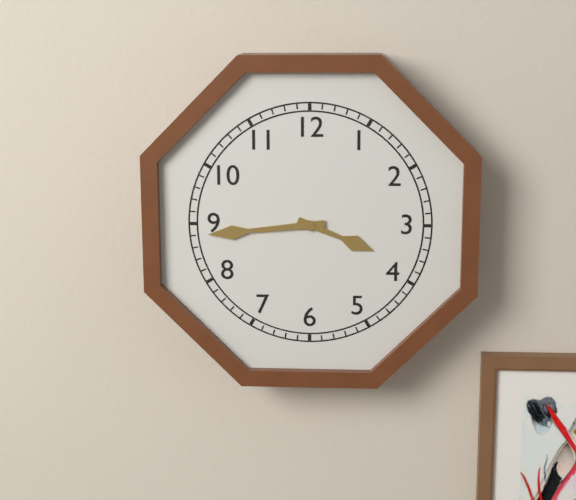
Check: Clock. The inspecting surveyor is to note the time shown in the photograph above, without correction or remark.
3:44
